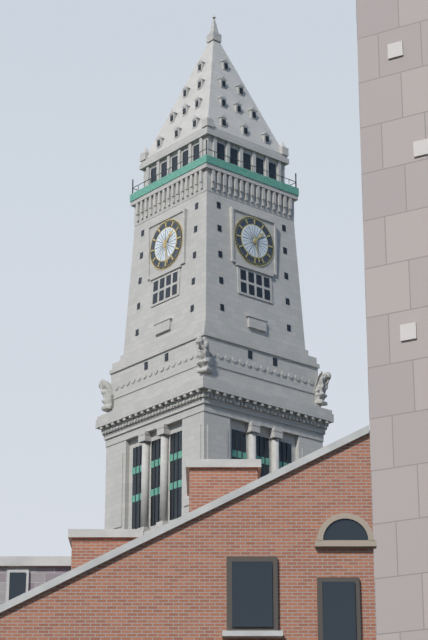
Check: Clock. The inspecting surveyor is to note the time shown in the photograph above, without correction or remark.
1:28
